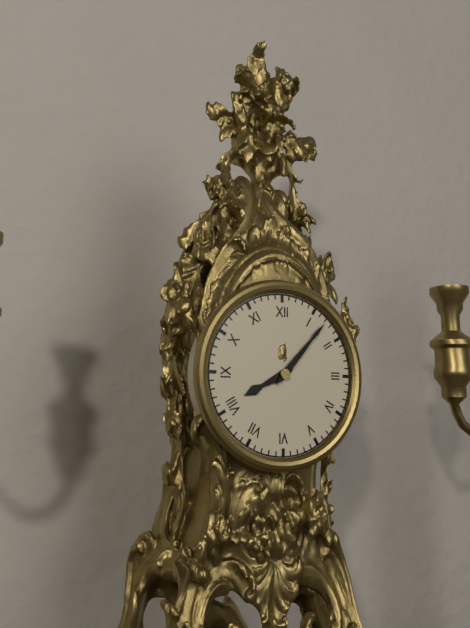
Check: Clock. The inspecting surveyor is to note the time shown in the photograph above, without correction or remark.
8:07
